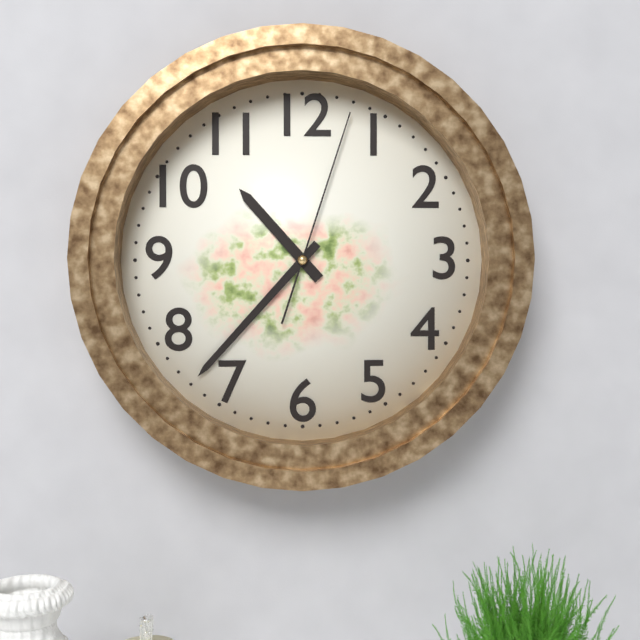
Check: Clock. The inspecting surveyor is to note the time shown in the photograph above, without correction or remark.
10:37:03
